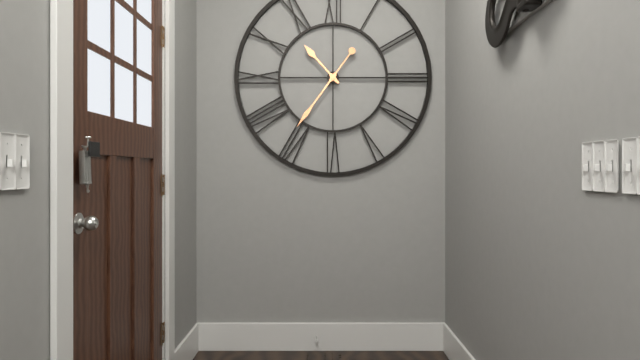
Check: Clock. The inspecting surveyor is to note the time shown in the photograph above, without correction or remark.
10:36
